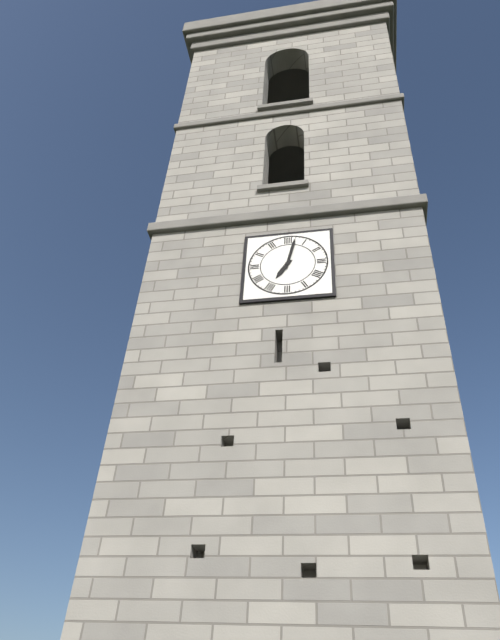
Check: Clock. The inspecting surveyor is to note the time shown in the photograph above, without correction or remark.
7:02
